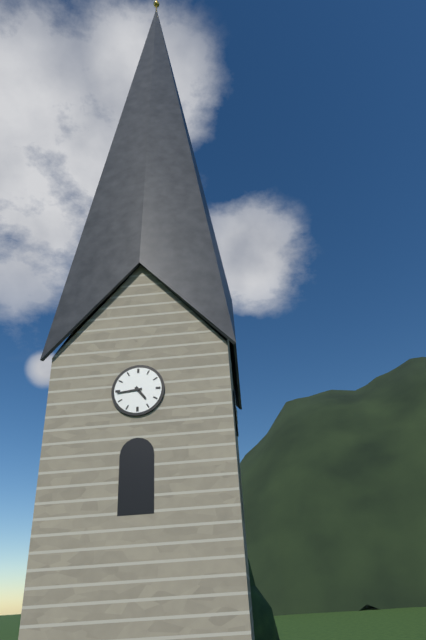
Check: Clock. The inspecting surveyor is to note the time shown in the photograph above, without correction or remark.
4:44
